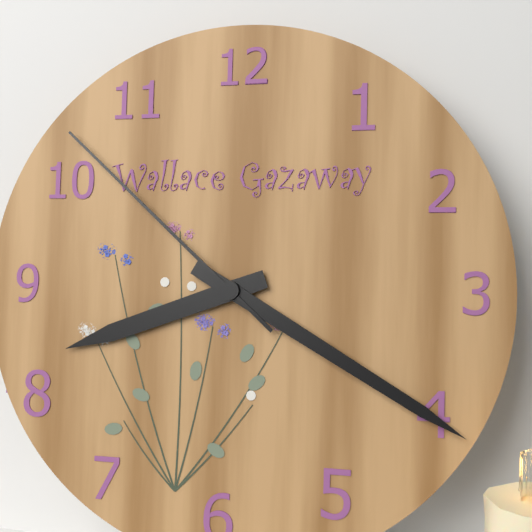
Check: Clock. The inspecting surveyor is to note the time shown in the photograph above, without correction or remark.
8:20:52
